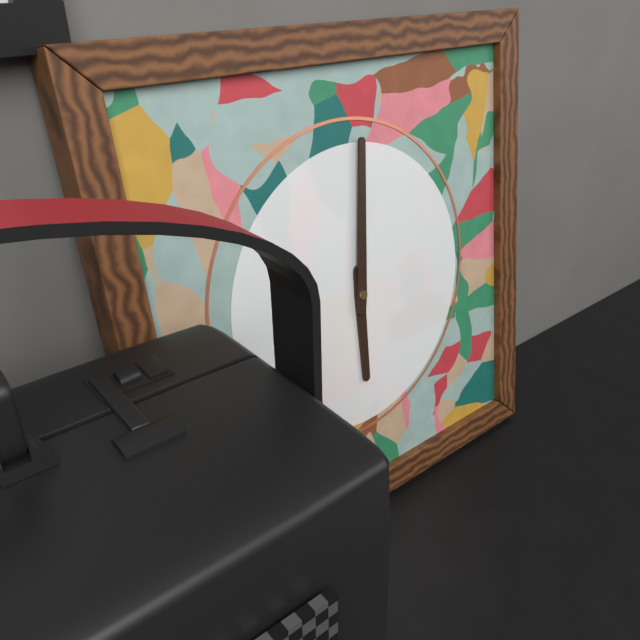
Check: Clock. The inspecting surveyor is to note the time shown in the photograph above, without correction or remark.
6:01
